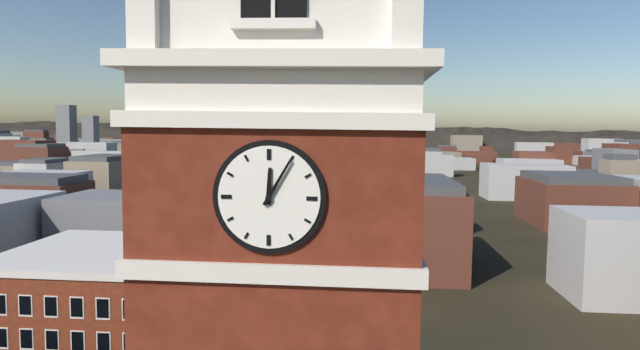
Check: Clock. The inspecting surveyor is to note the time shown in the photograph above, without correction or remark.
12:05
